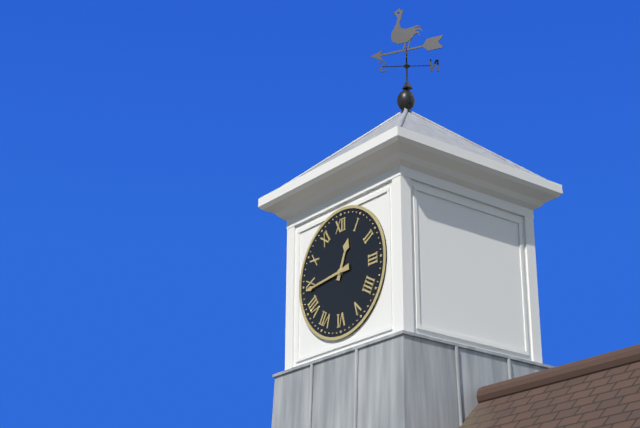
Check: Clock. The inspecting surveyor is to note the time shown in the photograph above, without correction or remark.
12:44
